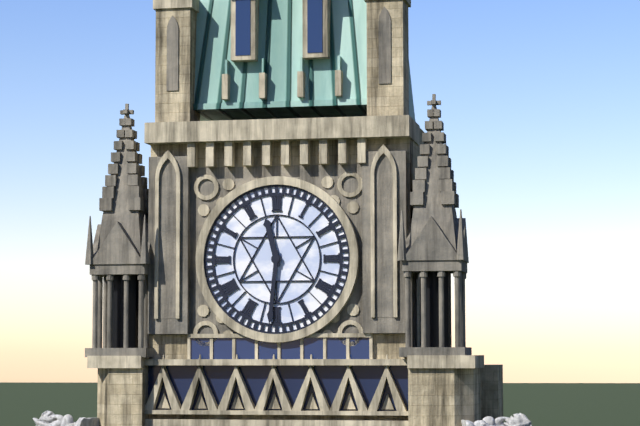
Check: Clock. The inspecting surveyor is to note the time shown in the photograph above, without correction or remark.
11:31
